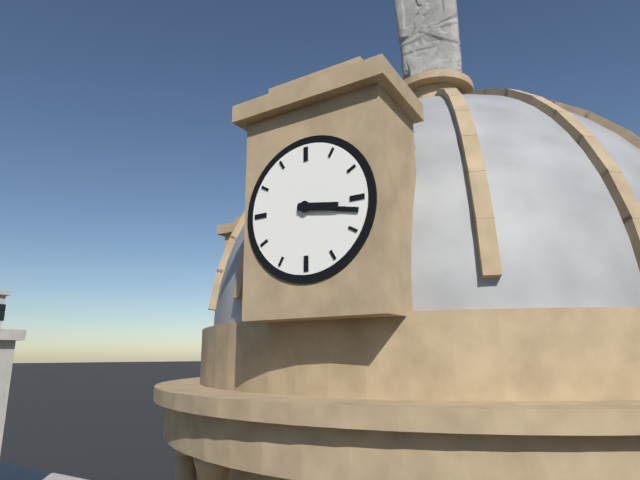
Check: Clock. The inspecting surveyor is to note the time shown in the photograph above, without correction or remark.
3:17
